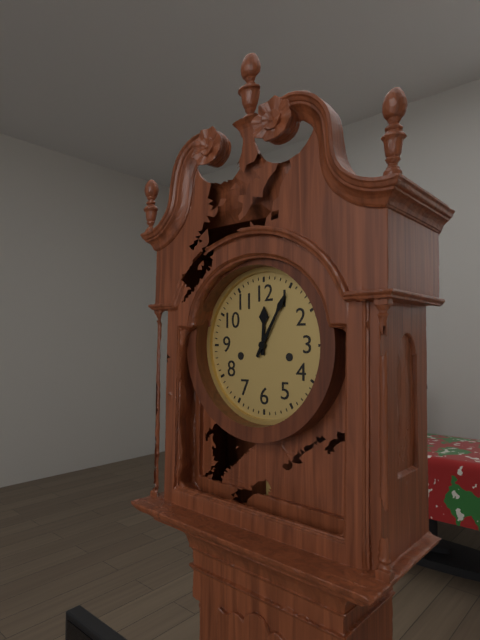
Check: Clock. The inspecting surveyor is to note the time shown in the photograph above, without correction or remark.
12:05
